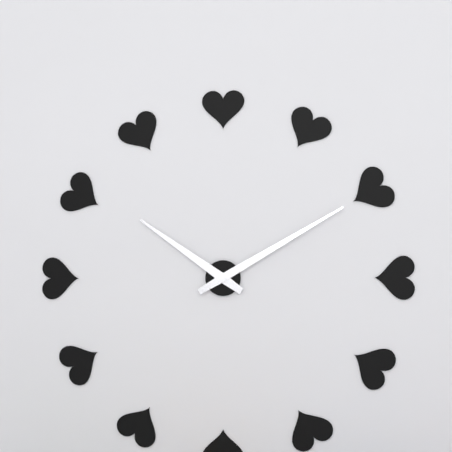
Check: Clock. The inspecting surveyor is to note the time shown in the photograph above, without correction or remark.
10:10
